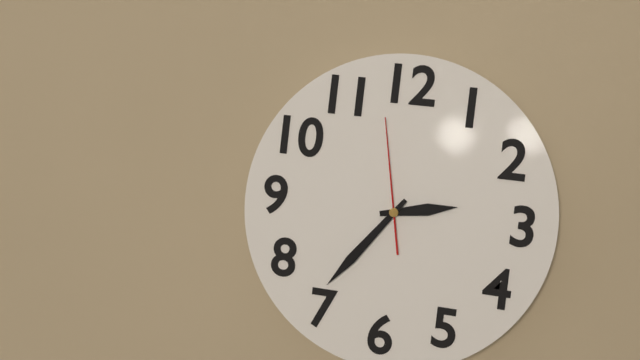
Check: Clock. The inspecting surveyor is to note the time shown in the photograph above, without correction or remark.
2:36:58
